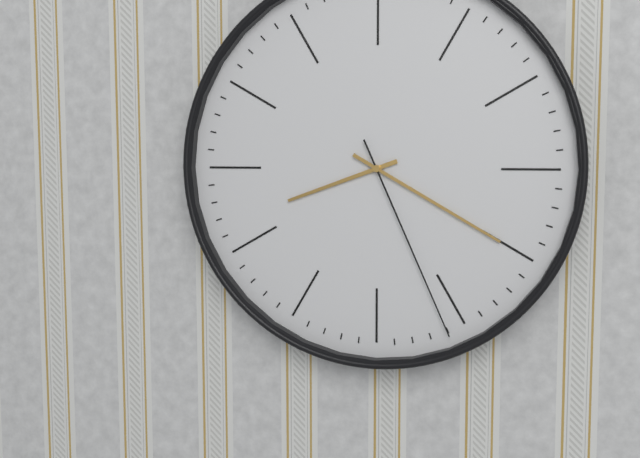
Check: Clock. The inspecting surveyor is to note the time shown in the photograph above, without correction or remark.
8:20:26
